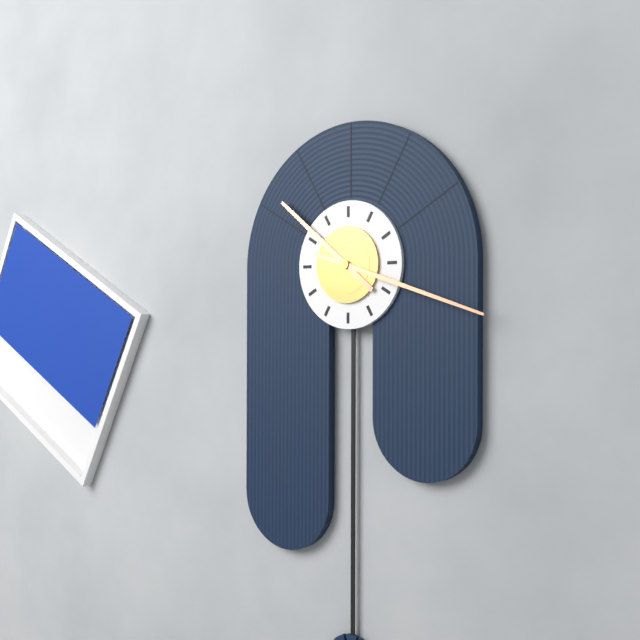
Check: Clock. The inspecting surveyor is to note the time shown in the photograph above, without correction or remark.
10:18
